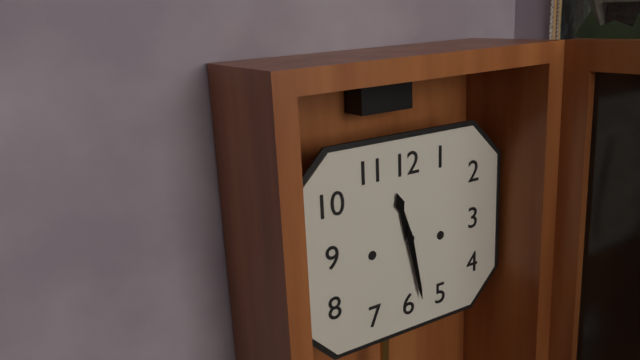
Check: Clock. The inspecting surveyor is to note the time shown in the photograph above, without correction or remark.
11:28
